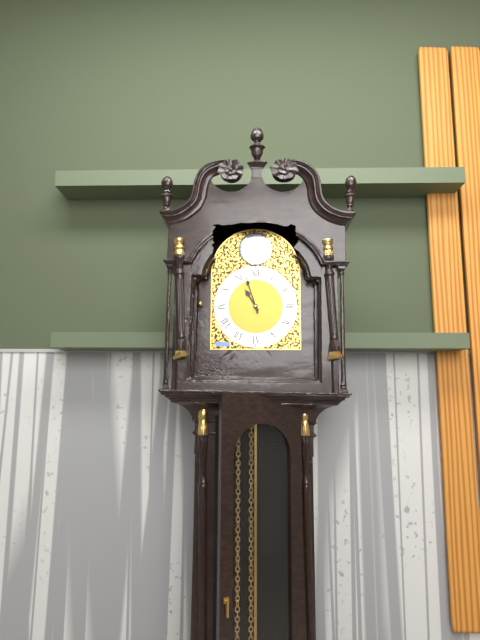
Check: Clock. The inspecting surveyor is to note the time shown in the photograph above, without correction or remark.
10:57
